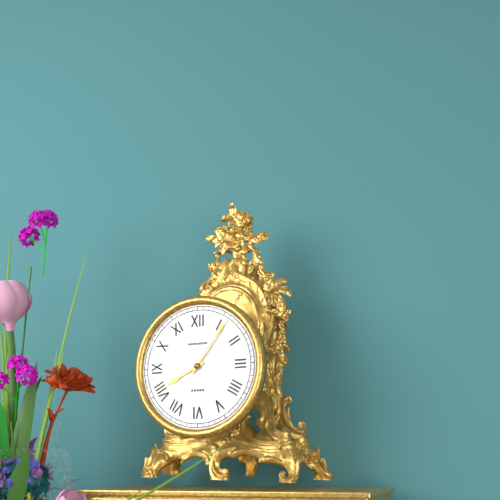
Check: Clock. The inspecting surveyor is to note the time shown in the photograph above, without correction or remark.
8:06
